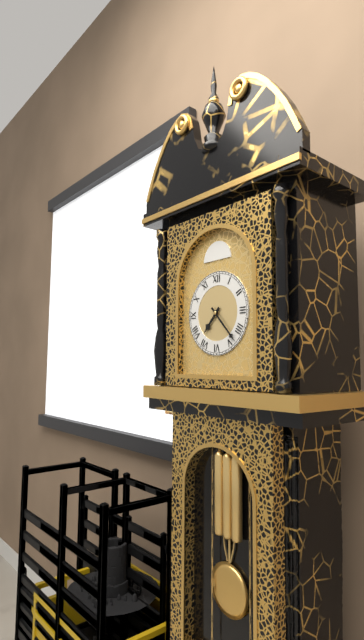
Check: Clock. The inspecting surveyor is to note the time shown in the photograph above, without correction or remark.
7:23
